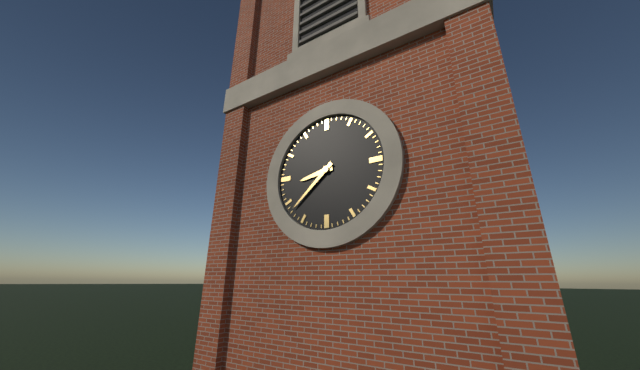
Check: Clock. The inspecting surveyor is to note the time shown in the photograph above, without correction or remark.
8:38
